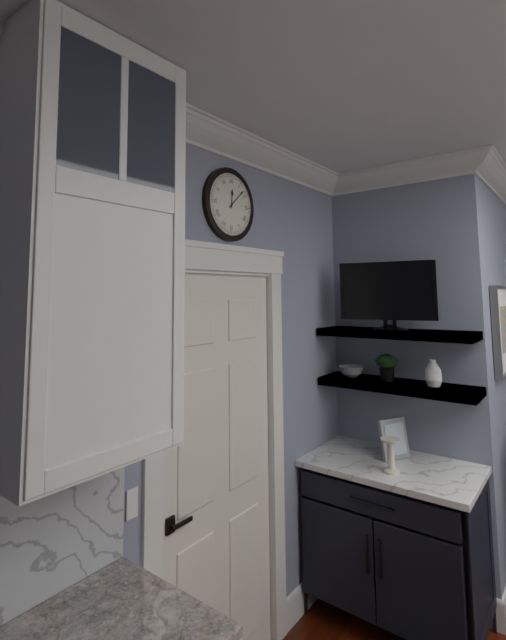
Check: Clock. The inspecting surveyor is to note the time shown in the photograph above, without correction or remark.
12:08
